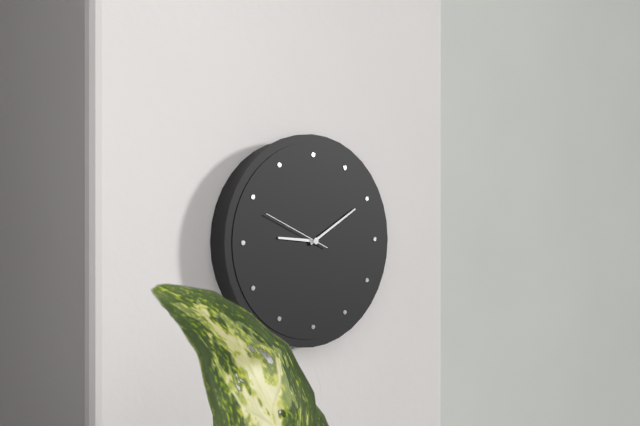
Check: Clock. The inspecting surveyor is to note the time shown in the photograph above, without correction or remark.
9:10:49
